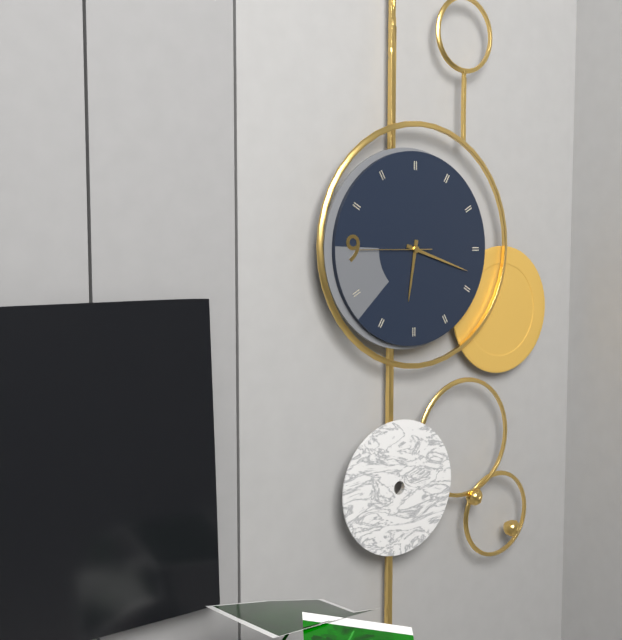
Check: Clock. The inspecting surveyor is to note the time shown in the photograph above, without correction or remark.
6:18:45
